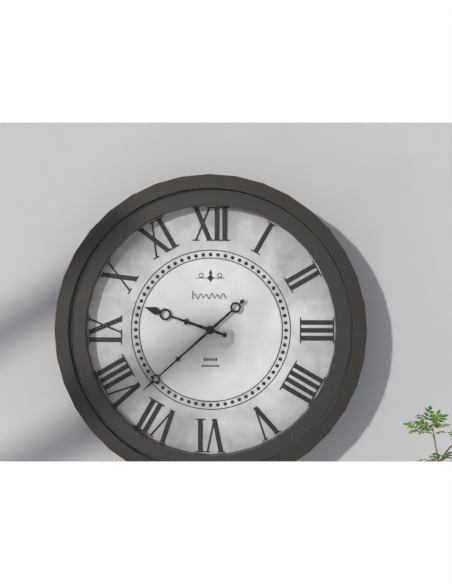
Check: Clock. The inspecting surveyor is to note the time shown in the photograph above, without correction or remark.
9:38
